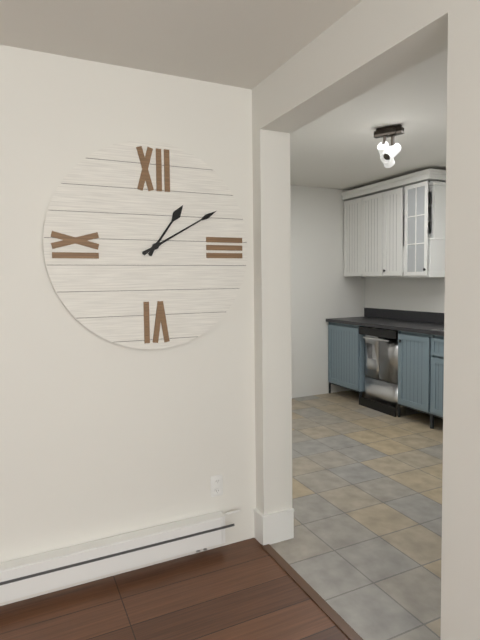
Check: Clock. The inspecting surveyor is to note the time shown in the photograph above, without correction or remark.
1:10
